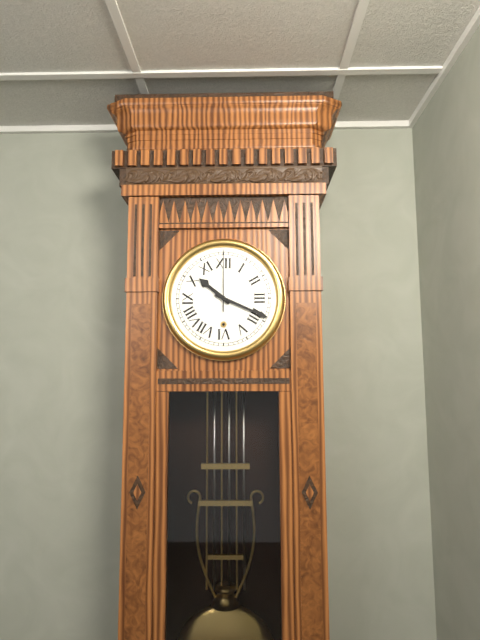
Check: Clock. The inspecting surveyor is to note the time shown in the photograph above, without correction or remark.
10:19:00
